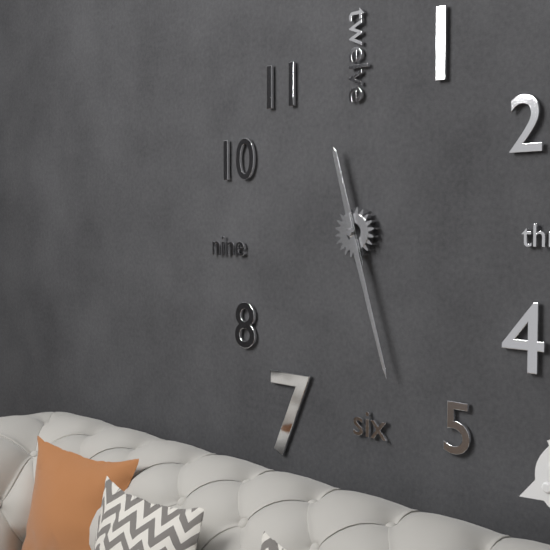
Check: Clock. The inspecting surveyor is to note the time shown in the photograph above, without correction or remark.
11:27
